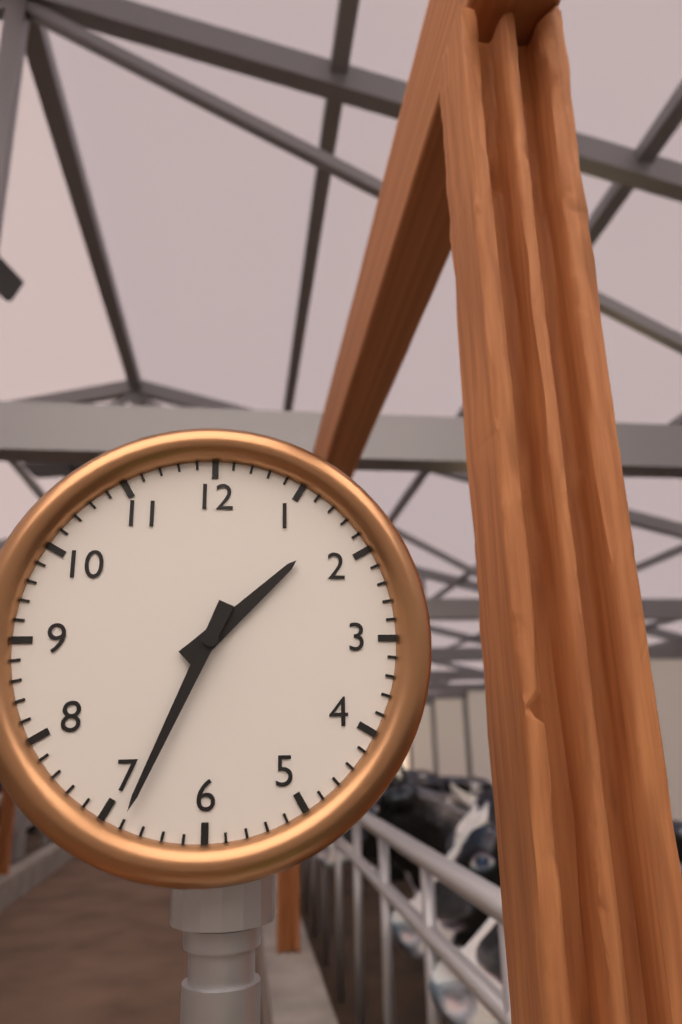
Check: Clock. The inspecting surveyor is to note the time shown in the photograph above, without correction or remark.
1:34
